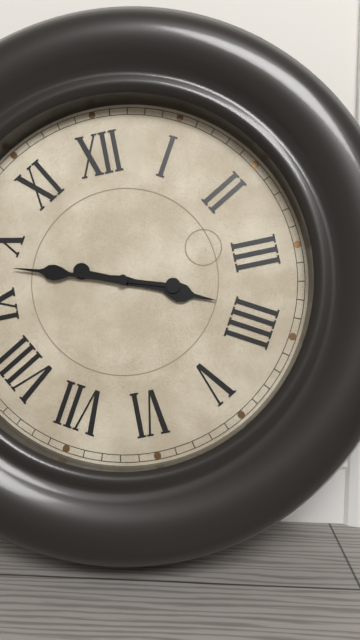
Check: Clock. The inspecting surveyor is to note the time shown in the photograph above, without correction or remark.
3:48
